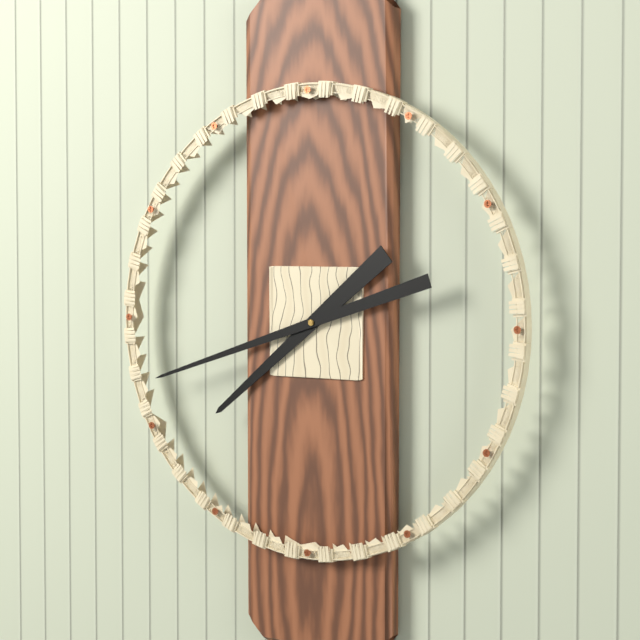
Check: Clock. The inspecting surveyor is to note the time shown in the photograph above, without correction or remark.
7:42
